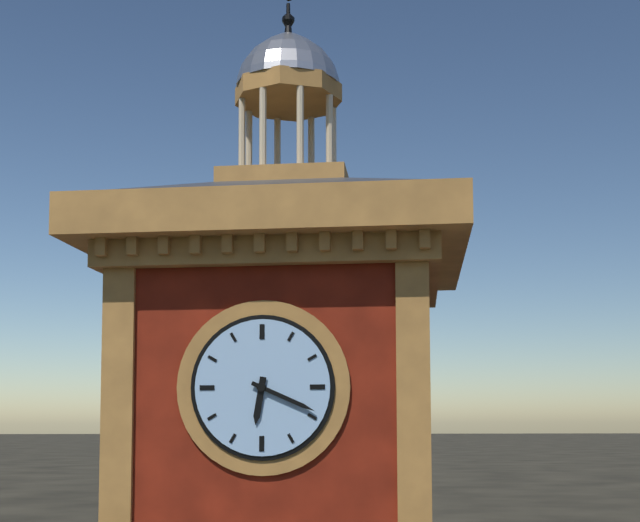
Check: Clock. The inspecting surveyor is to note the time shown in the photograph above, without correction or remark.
6:19
